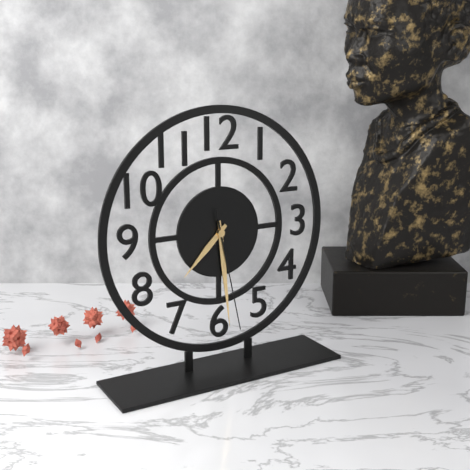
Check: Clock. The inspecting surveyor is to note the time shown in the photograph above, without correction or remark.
7:29:28
